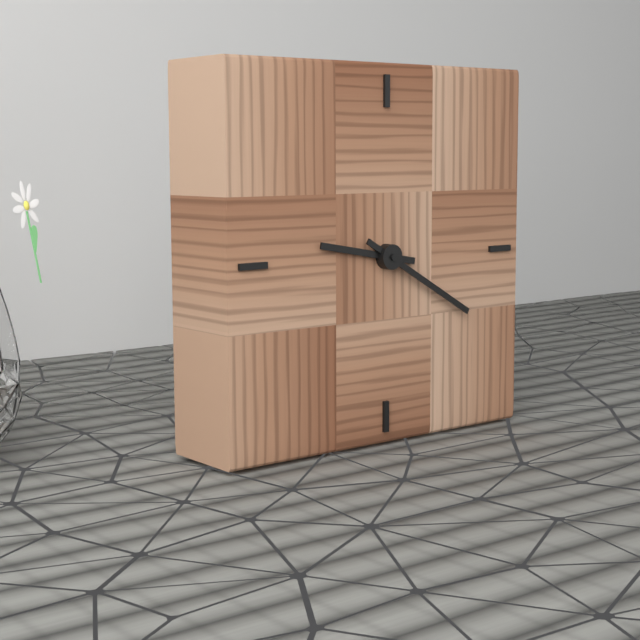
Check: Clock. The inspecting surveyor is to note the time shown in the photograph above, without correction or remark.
9:20
